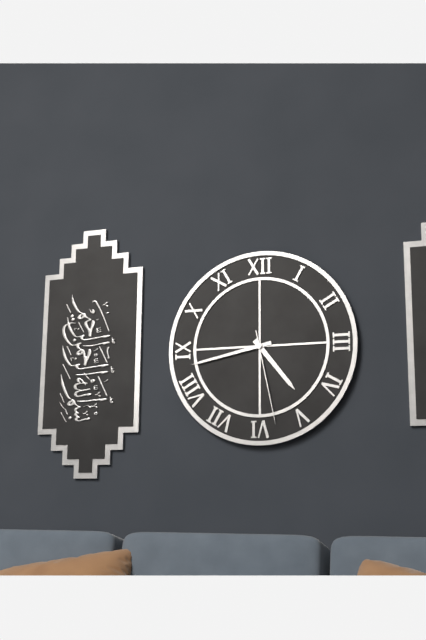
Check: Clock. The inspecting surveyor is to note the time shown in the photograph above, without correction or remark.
4:43:28
